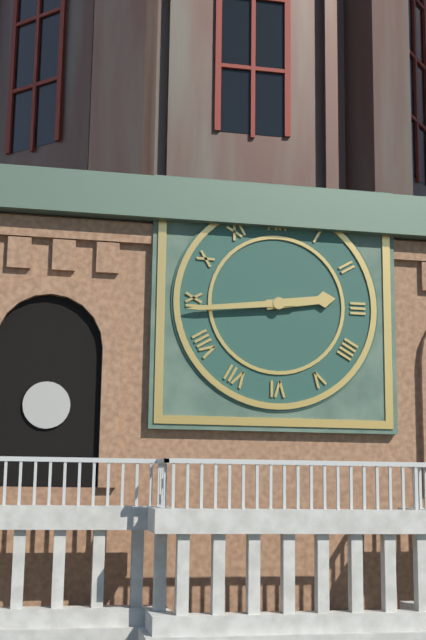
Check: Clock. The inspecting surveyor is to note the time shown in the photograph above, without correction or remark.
2:44
